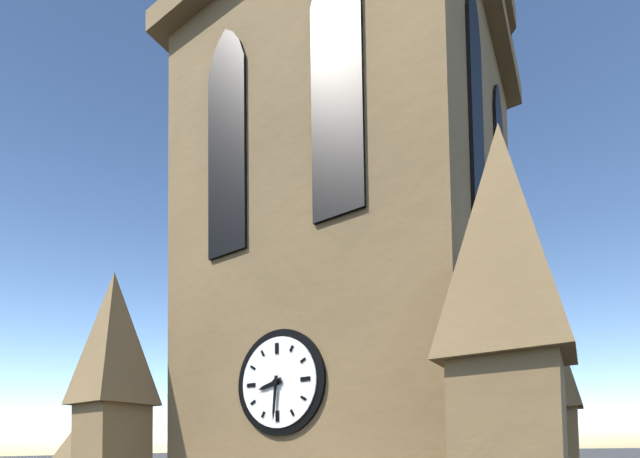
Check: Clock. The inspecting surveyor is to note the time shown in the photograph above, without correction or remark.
8:31
